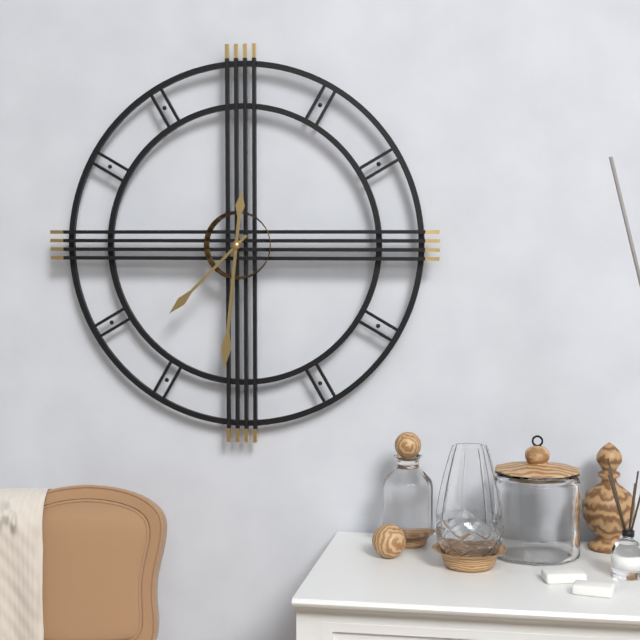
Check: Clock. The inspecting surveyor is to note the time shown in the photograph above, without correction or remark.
7:31
